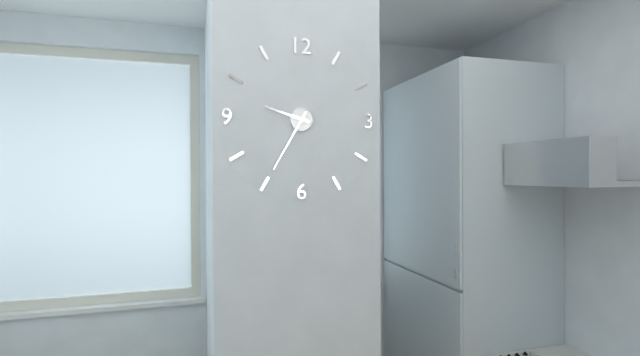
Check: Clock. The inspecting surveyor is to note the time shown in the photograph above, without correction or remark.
9:35
